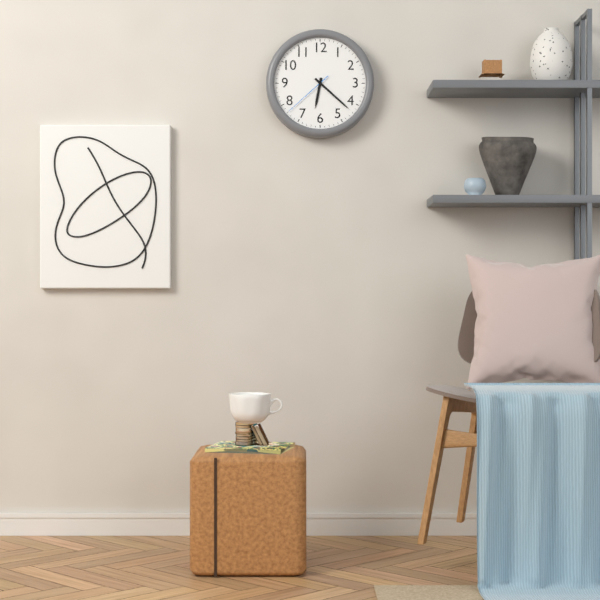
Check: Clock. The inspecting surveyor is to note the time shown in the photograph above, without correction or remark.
6:22:38
